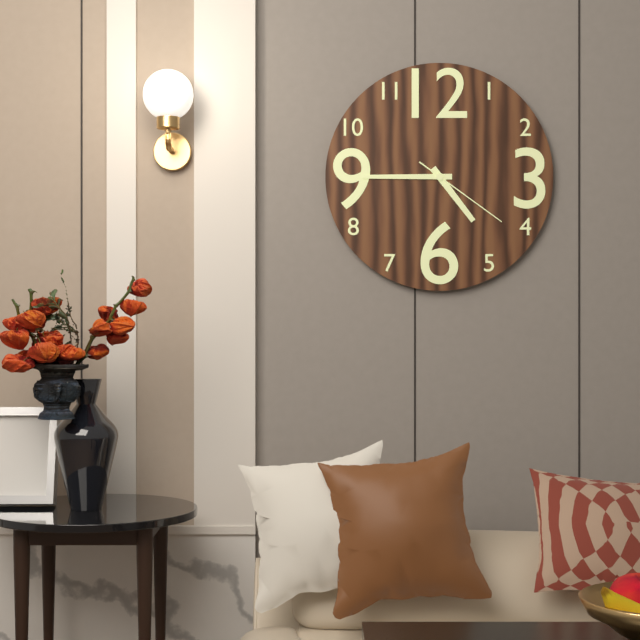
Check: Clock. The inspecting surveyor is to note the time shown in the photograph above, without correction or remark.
4:45:21
